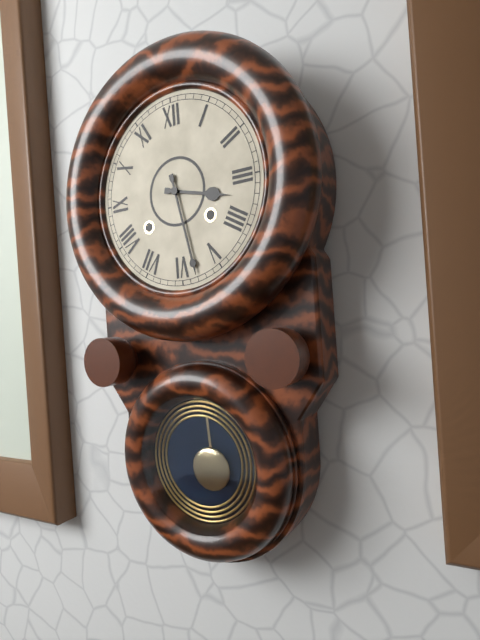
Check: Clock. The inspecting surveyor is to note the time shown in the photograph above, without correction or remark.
3:28
